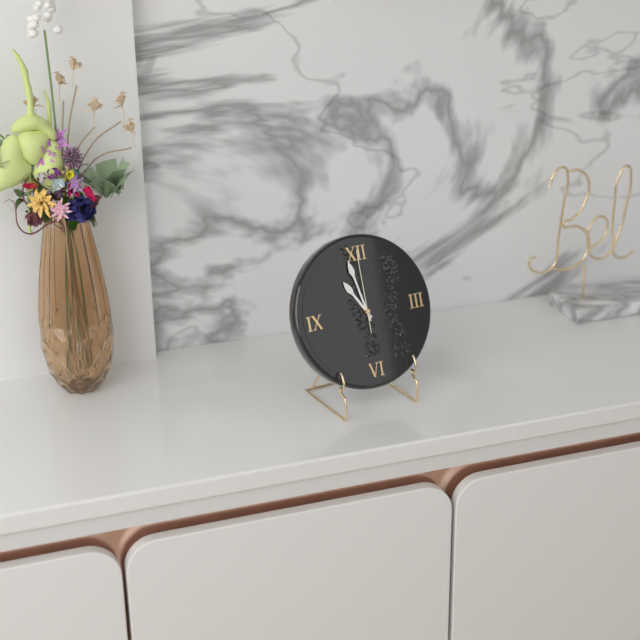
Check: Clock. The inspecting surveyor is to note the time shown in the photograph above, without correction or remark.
10:58:00
